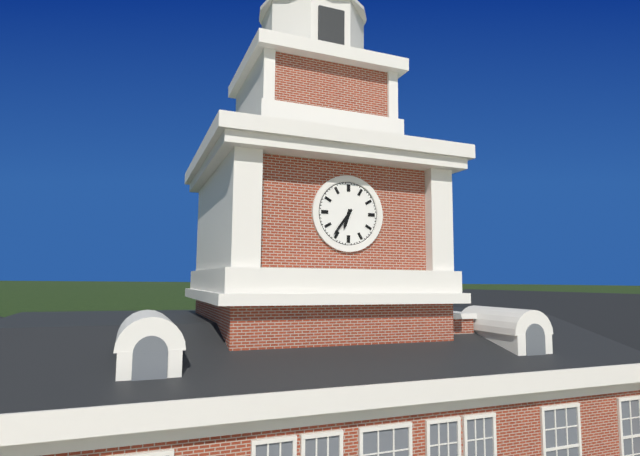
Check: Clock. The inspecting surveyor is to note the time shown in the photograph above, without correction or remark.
6:36
